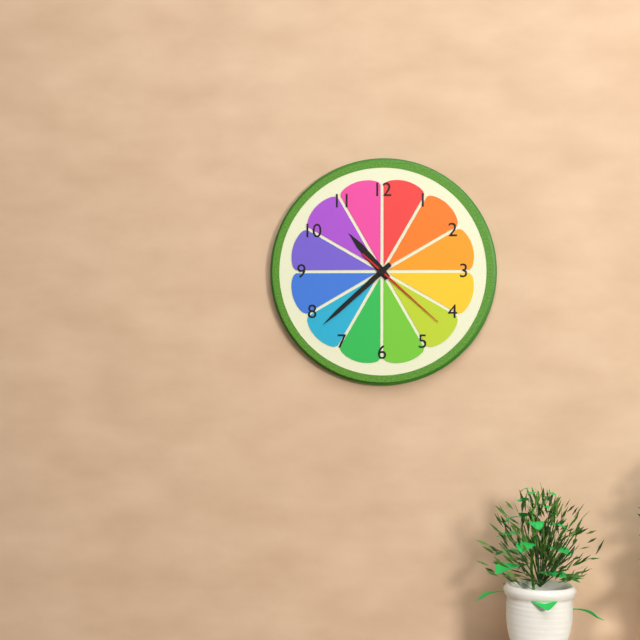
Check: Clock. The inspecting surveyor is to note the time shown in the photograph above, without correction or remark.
10:38:22
